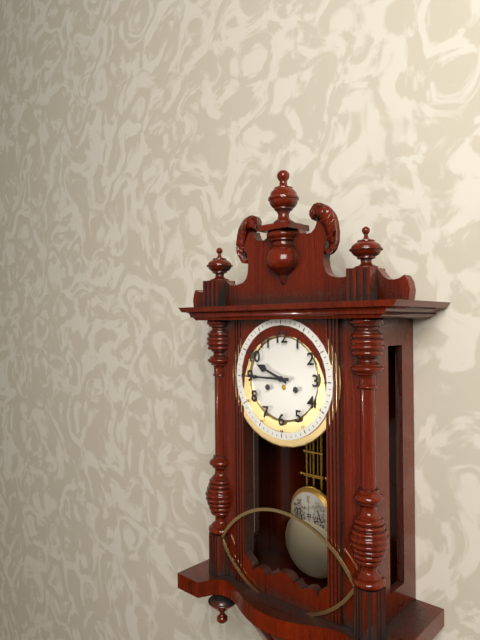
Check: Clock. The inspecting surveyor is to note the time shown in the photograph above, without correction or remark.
9:45
